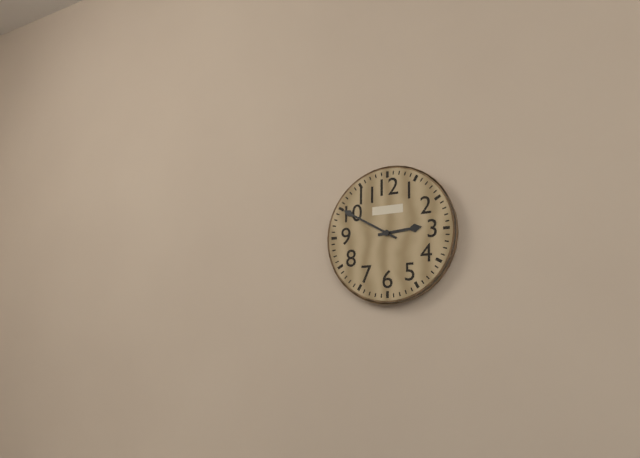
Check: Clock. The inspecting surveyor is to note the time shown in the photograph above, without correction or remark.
2:50
